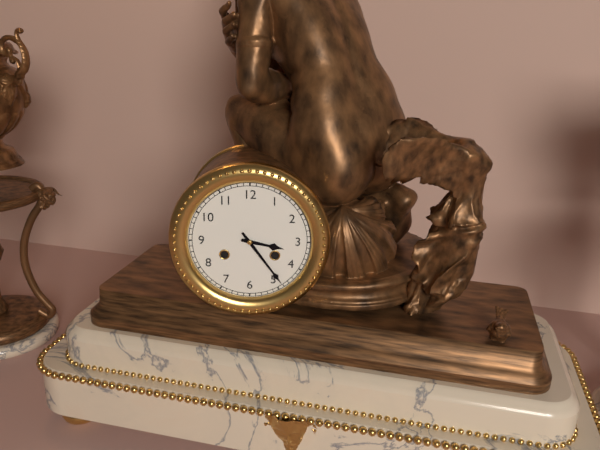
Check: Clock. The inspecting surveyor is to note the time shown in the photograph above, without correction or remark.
3:24
